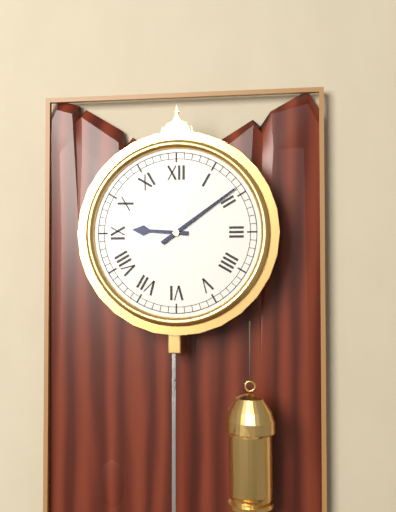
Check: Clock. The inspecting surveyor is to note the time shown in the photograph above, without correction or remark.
9:09
